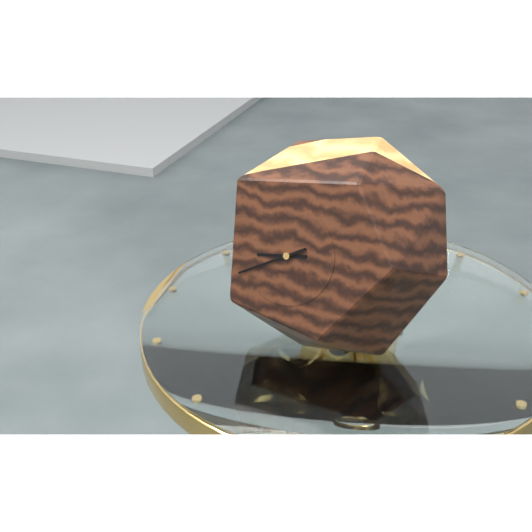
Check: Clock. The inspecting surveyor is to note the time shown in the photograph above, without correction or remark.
8:40
